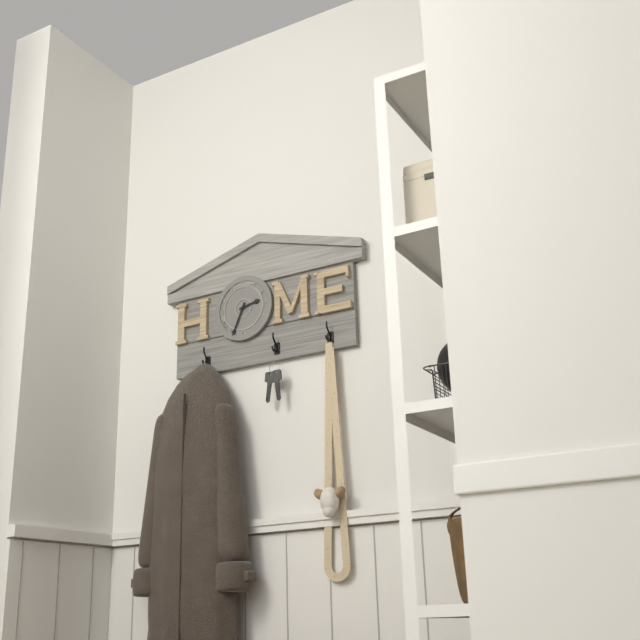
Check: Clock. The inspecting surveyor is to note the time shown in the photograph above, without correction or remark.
2:34
